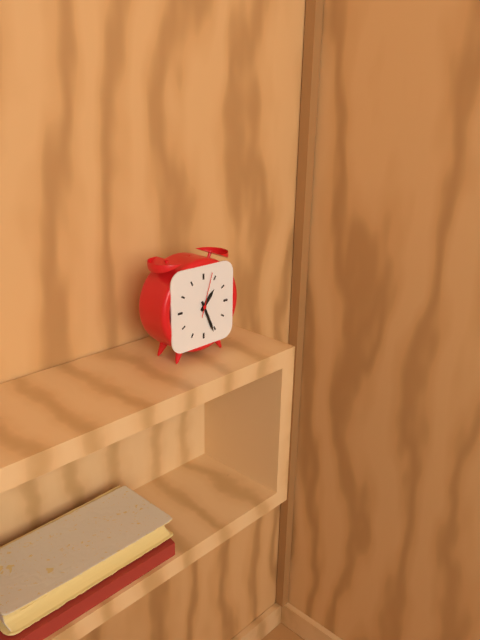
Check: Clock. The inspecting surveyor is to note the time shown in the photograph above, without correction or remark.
1:26
